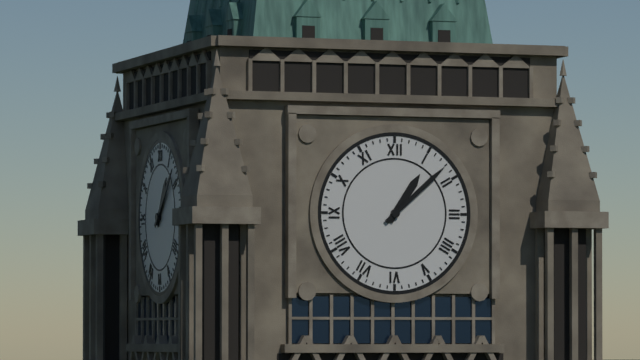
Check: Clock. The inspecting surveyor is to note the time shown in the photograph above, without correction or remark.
1:08
